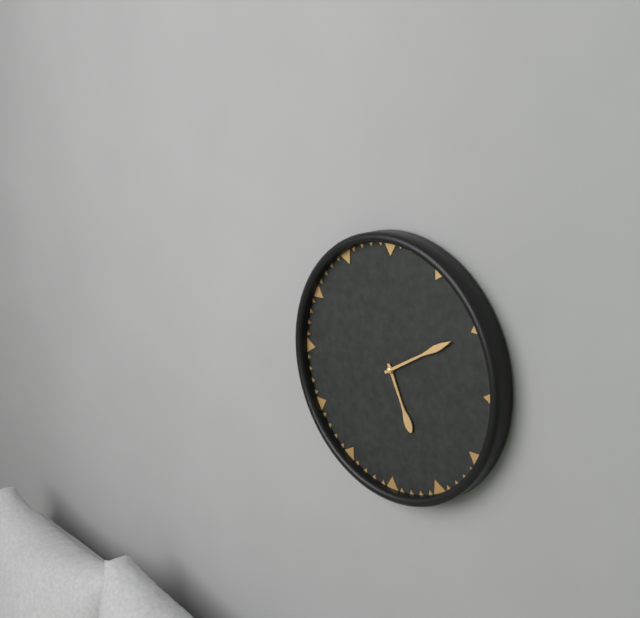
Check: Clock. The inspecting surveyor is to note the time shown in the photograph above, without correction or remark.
5:10
